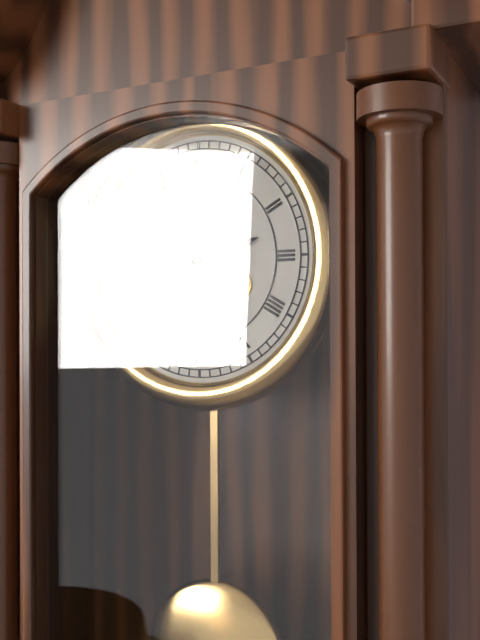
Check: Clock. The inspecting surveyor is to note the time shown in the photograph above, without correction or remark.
2:30
